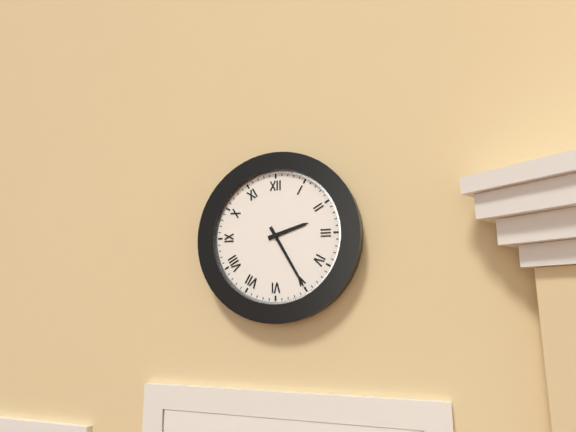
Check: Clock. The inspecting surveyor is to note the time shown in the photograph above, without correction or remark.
2:25
